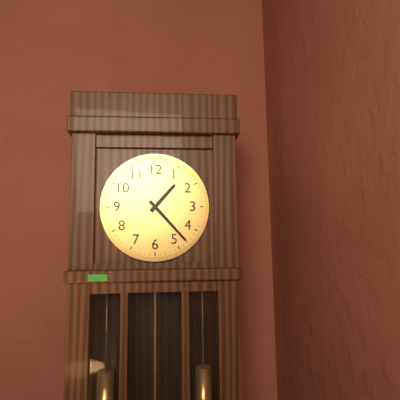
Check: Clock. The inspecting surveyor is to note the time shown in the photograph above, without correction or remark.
1:23
